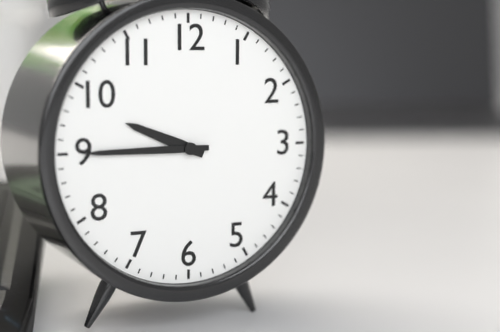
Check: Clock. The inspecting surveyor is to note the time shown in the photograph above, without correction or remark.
9:45
